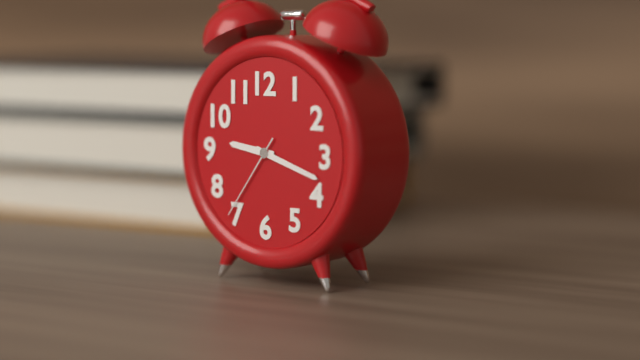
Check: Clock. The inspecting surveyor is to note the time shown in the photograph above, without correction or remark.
9:18:36
